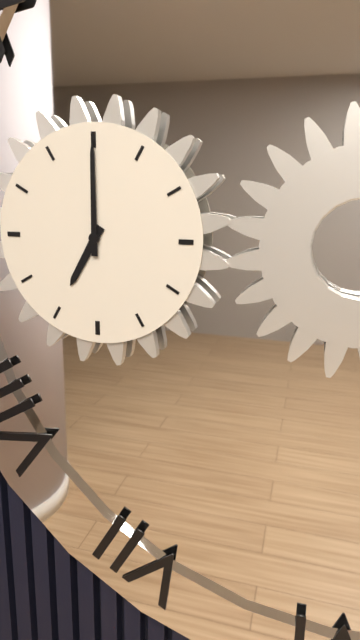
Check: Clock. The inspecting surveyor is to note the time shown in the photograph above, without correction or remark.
7:00
